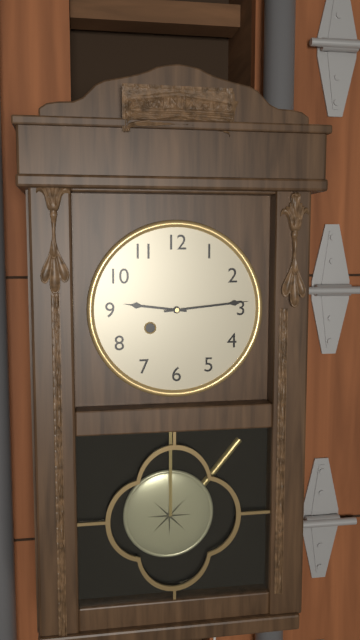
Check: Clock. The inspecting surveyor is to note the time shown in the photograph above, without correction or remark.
9:14
